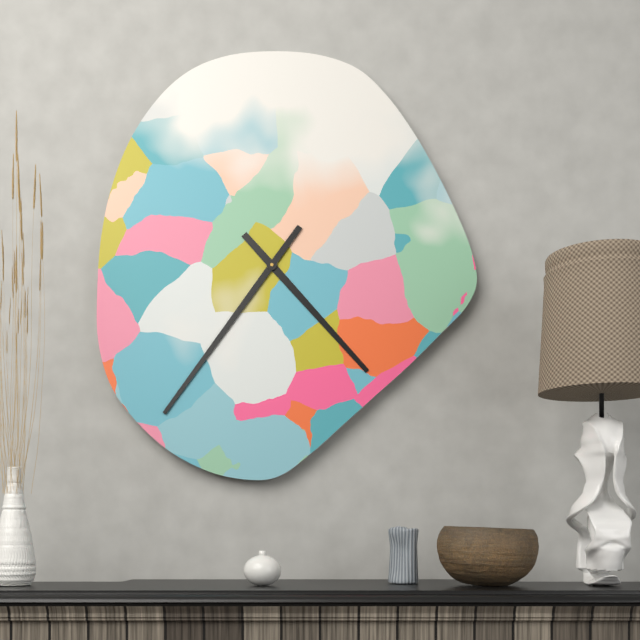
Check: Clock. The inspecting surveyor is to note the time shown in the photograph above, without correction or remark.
4:36
